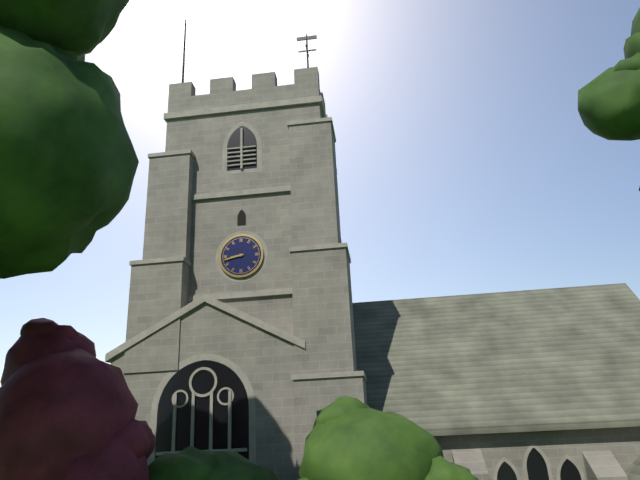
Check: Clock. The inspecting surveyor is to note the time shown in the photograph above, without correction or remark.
8:43
